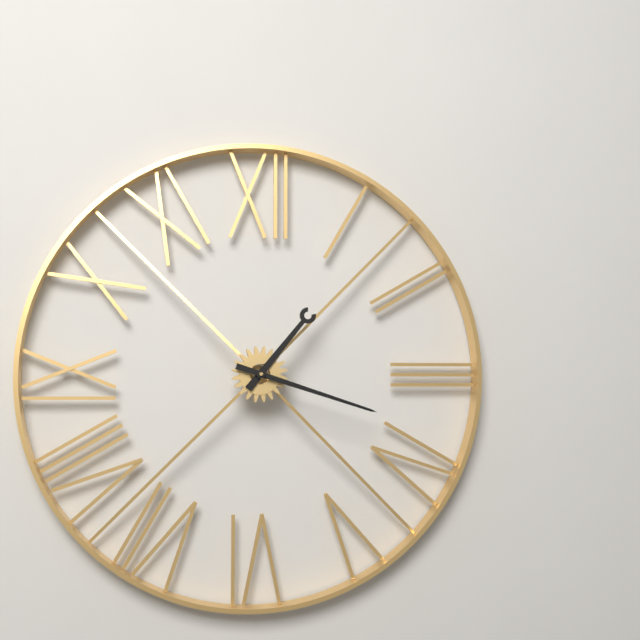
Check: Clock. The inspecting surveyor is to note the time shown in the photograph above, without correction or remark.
1:18
